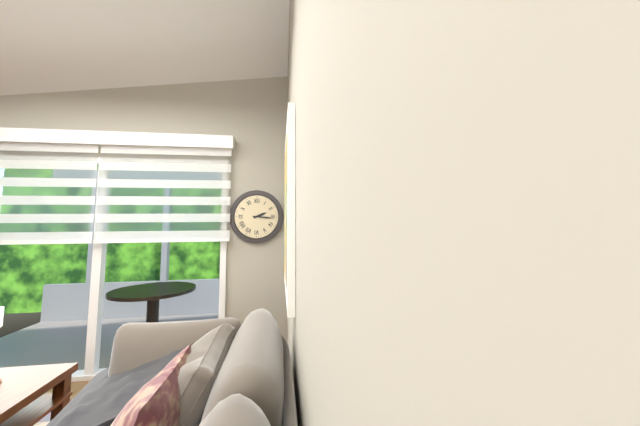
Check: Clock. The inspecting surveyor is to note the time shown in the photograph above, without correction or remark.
2:16
